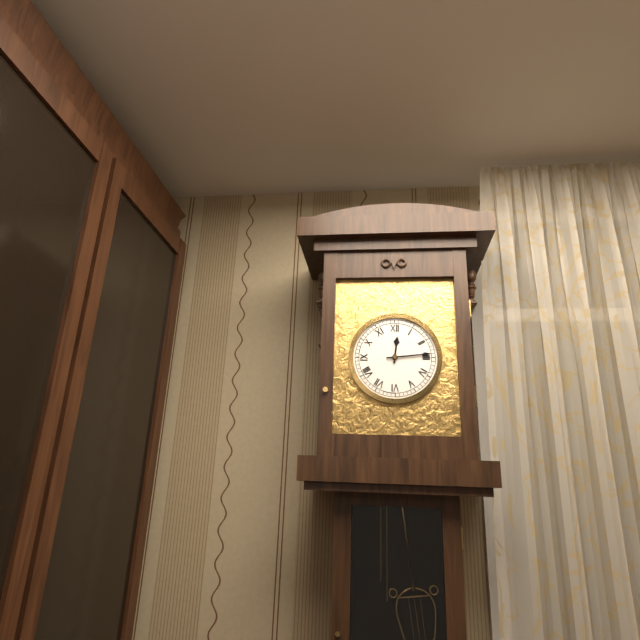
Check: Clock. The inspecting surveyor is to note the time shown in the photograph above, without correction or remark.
12:14
